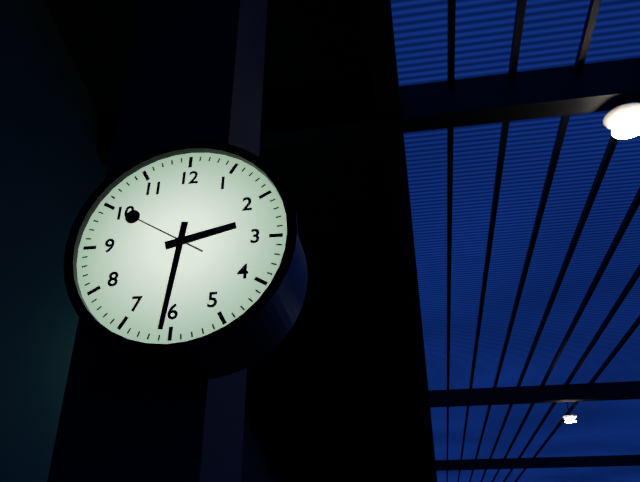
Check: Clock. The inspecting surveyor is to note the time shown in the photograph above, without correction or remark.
2:31:50
